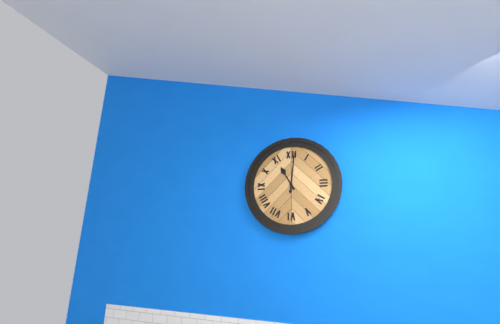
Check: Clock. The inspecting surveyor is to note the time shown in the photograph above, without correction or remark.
11:01
